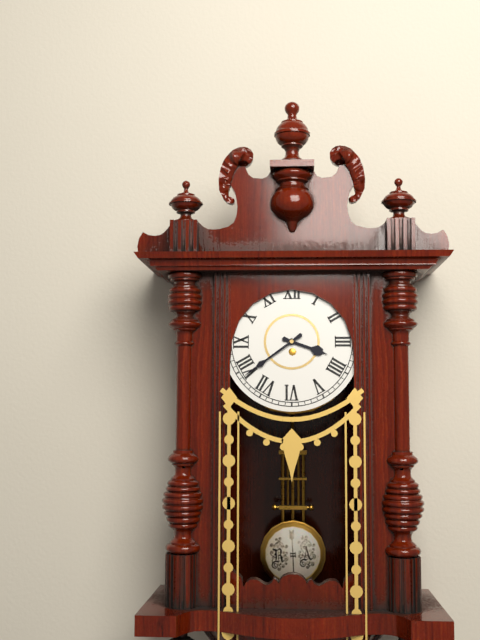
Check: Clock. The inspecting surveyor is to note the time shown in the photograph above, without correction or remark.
3:39
